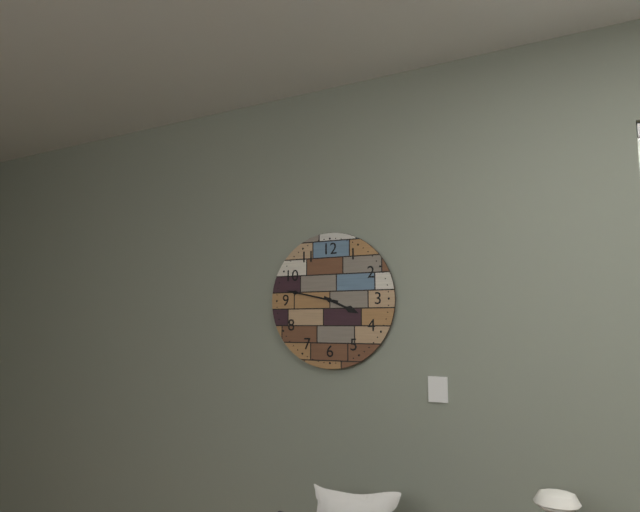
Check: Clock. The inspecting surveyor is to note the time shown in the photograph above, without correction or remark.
3:47
